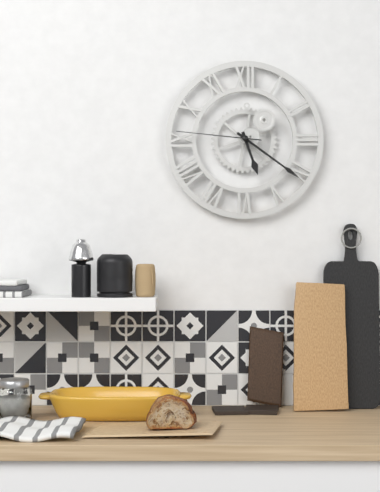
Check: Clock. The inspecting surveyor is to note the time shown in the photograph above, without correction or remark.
5:21:46
